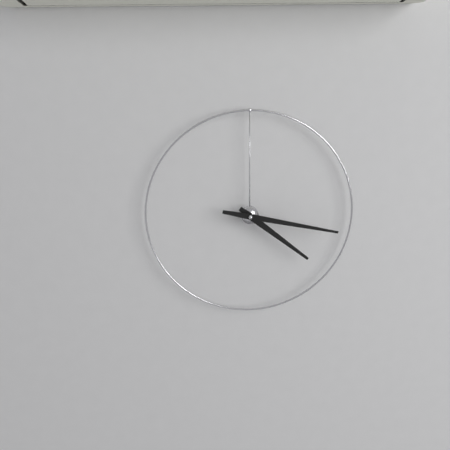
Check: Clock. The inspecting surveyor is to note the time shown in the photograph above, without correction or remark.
4:17
